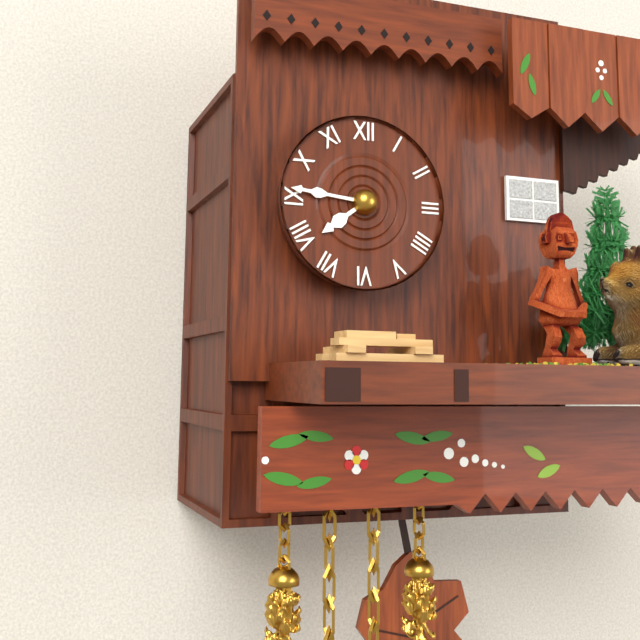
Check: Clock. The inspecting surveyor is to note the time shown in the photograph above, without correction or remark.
7:46
